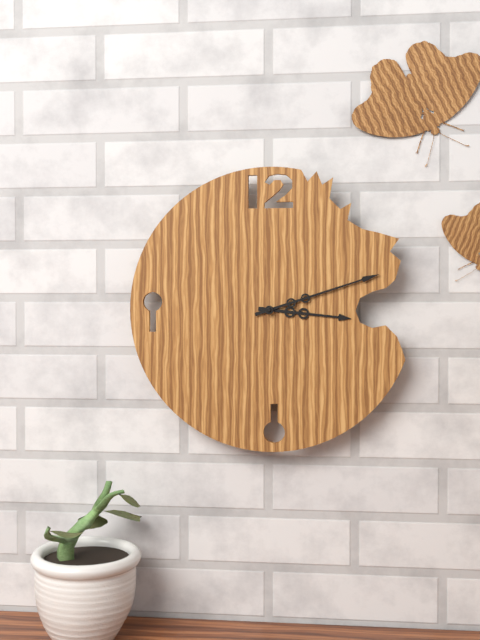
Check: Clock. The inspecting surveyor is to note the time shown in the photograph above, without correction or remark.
3:12
